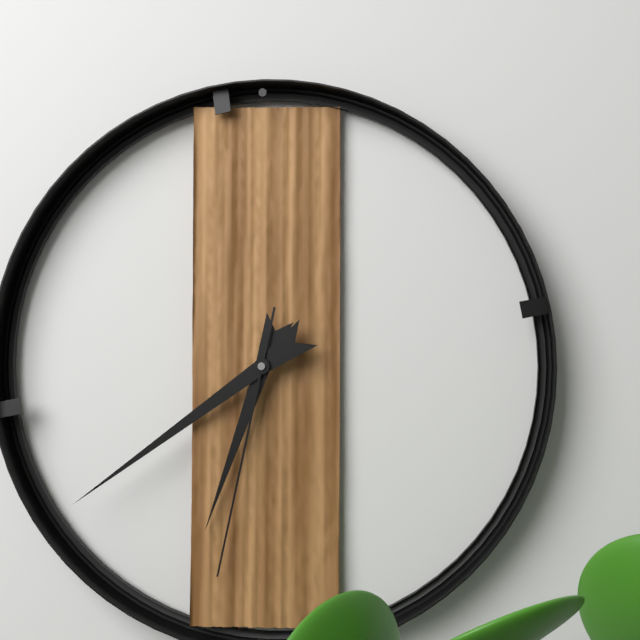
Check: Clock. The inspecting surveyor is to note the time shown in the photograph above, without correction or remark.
6:39:32
